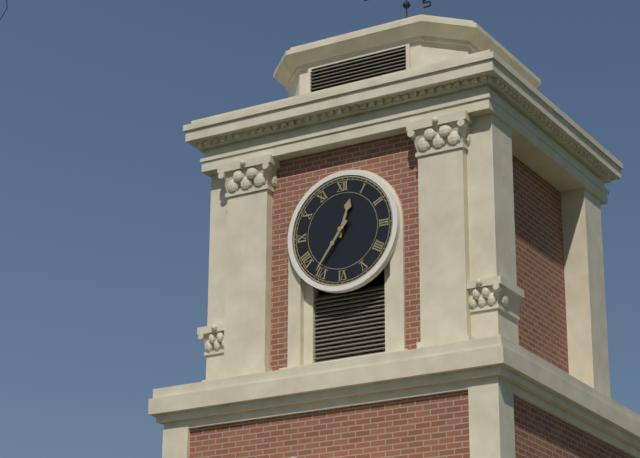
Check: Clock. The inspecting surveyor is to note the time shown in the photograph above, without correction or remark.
12:36
